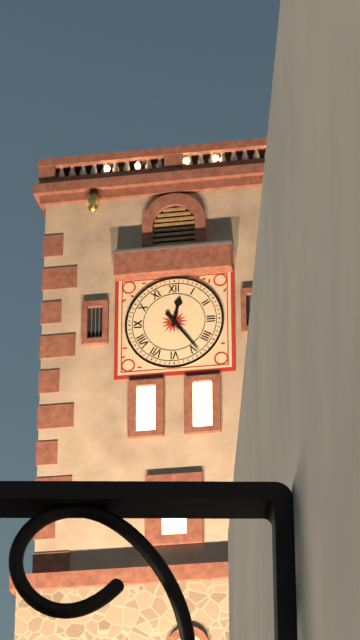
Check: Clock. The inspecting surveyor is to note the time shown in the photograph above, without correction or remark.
12:24
